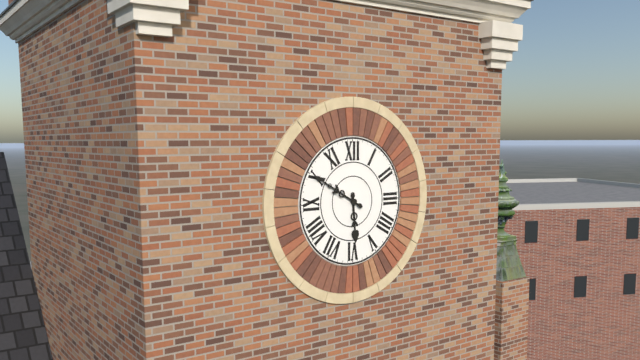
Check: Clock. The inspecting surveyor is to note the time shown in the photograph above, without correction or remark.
5:50
